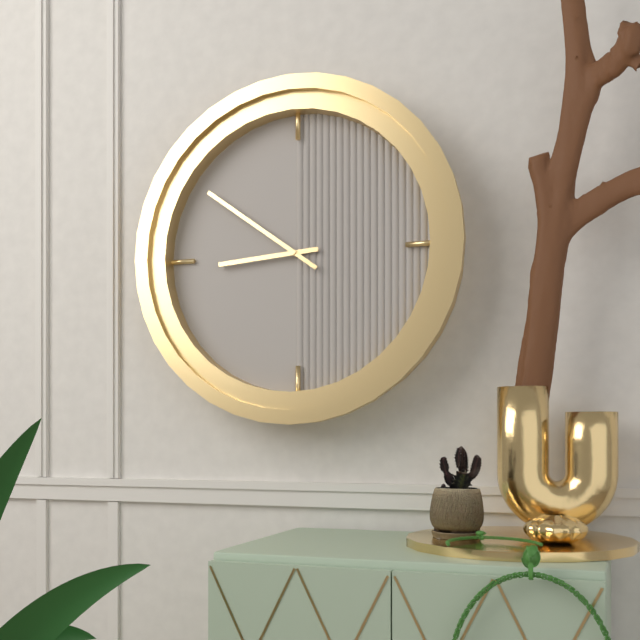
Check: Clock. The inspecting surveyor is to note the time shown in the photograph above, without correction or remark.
8:51
